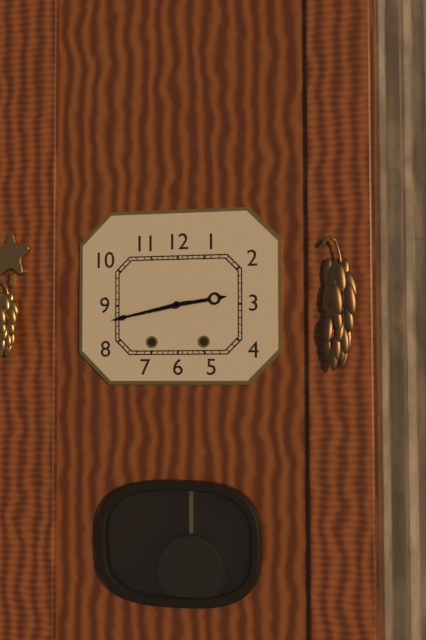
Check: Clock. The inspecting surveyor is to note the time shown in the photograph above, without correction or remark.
2:43
